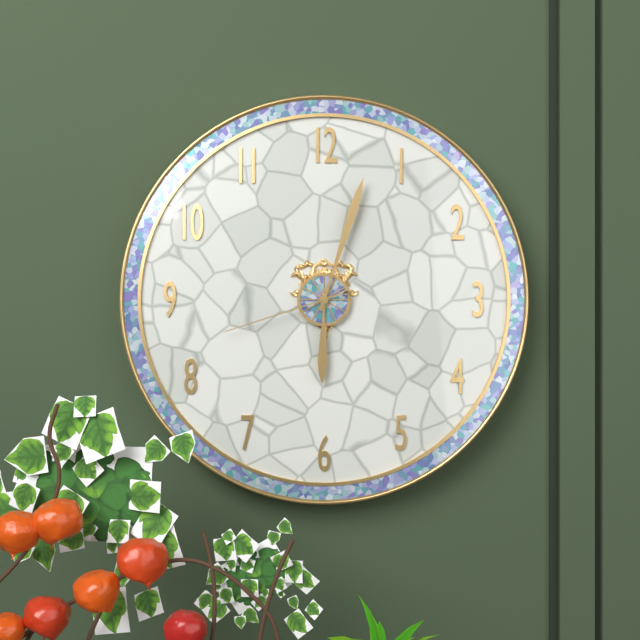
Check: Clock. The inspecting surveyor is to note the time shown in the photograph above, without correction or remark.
6:03:42
